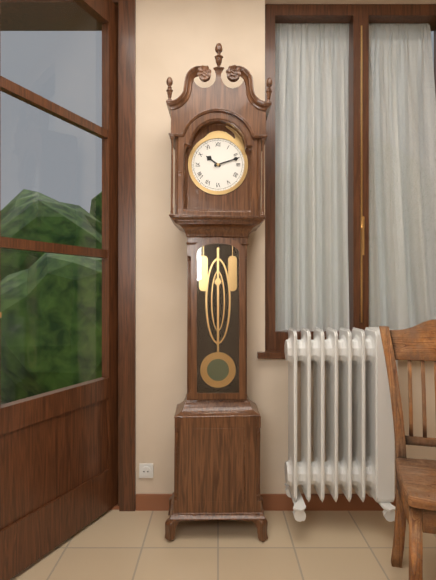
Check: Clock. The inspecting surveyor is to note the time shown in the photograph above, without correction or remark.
10:12
